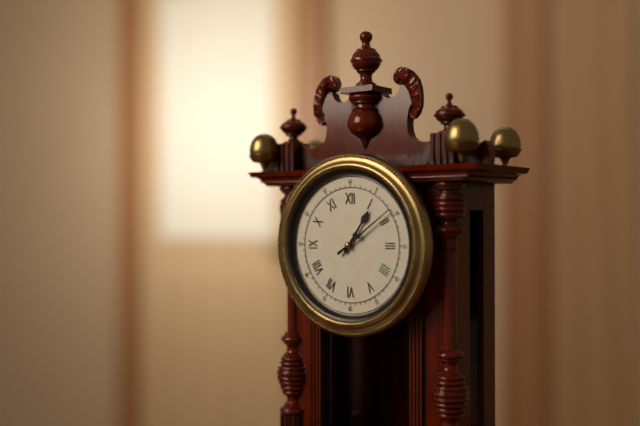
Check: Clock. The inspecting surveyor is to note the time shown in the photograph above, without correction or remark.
1:09
